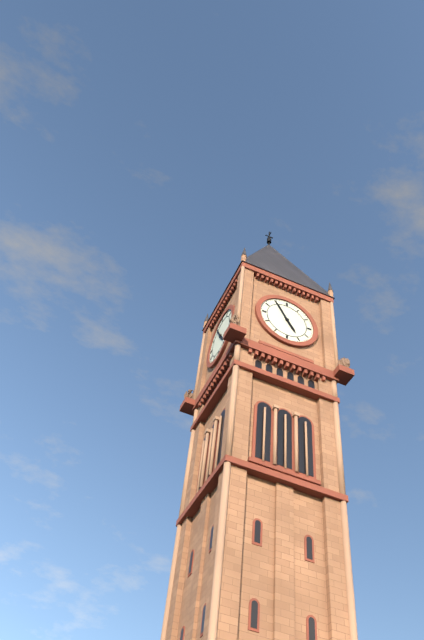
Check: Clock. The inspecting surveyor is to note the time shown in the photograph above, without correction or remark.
4:55
